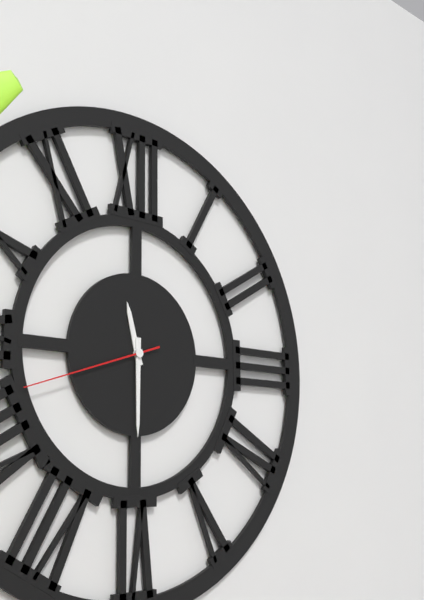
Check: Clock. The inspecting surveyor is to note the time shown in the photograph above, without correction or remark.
11:30:42
